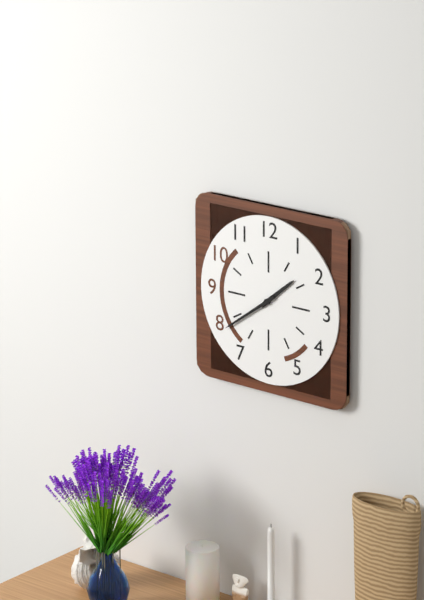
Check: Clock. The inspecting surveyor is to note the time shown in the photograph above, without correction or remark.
1:39
